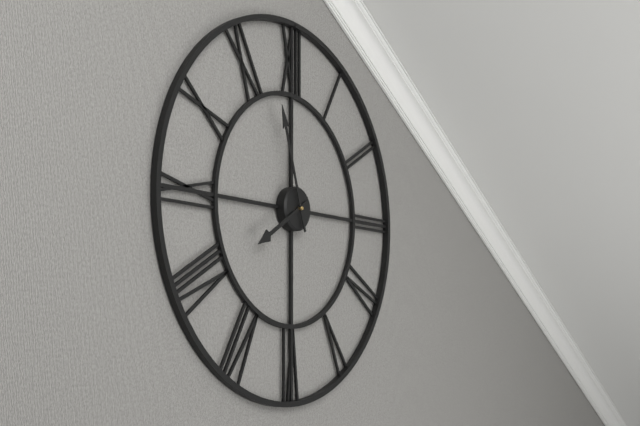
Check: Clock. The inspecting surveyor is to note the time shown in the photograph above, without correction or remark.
7:57
